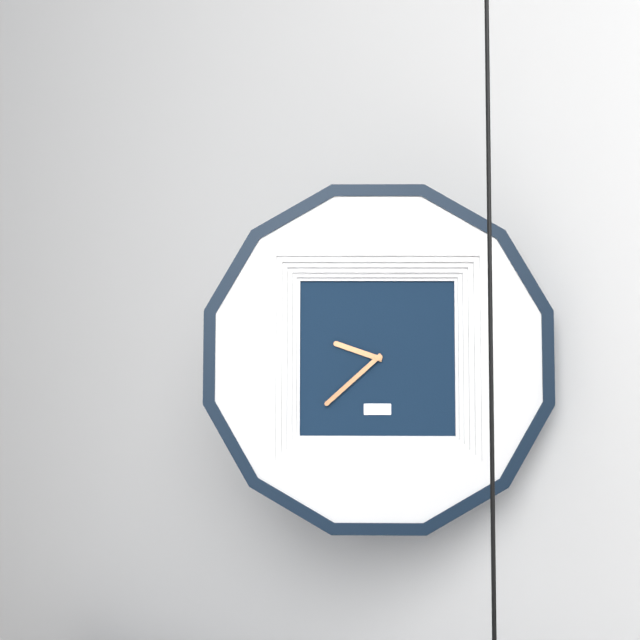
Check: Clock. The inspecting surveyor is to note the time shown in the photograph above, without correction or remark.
9:38
